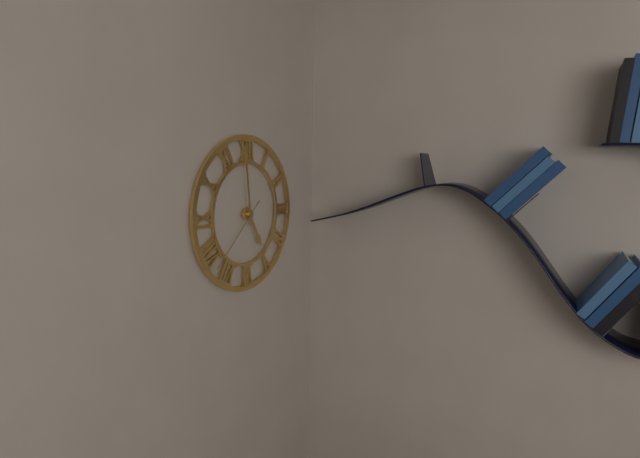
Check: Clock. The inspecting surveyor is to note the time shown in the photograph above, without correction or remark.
4:59:38
